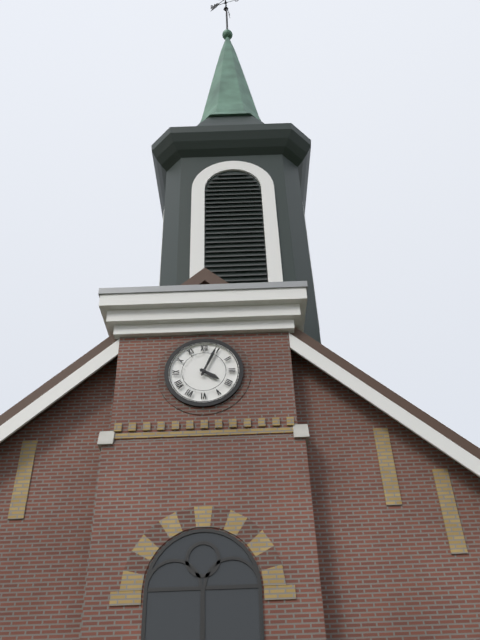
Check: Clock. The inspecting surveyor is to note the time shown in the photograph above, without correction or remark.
4:04
